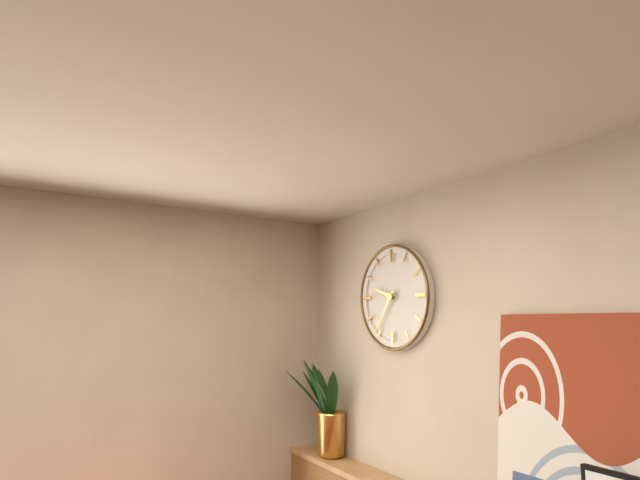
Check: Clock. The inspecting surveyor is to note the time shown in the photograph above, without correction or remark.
9:36
